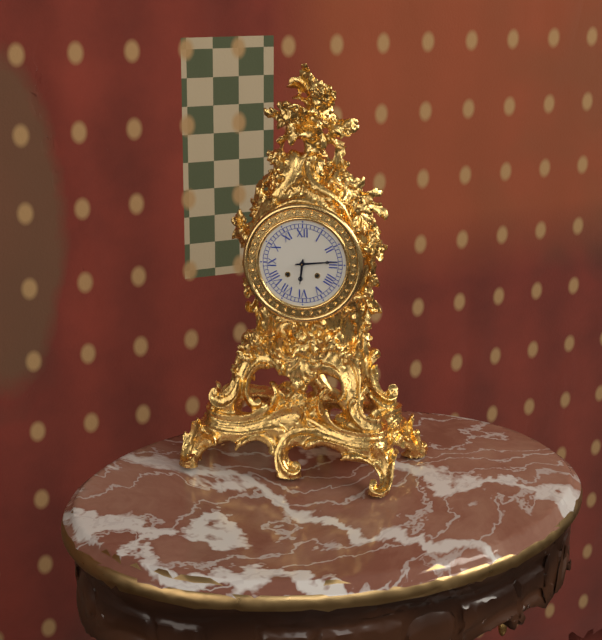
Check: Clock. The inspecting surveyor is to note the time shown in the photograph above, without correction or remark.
6:14
